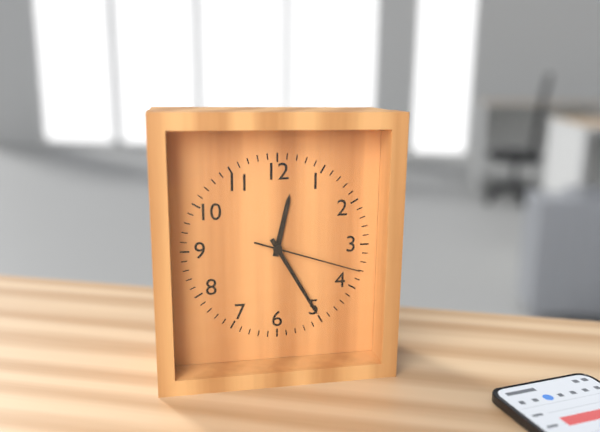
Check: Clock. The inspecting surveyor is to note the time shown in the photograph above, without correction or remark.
12:25:18
